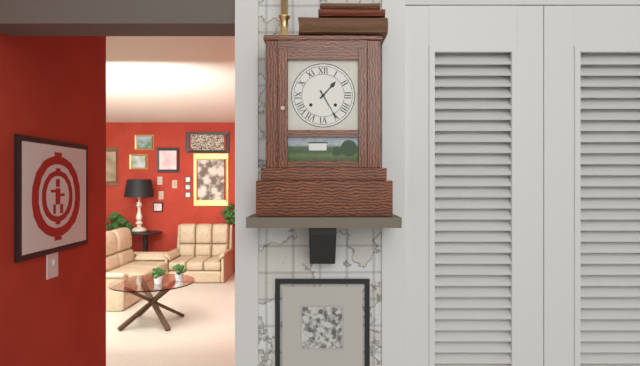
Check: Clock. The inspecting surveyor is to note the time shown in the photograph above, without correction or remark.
1:25
